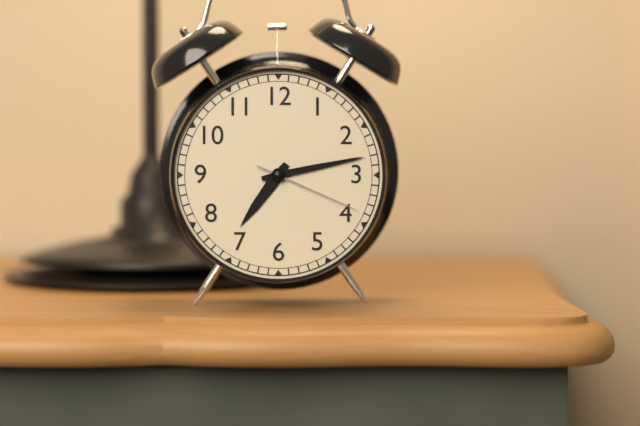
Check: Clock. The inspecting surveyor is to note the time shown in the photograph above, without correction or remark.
7:13:19
